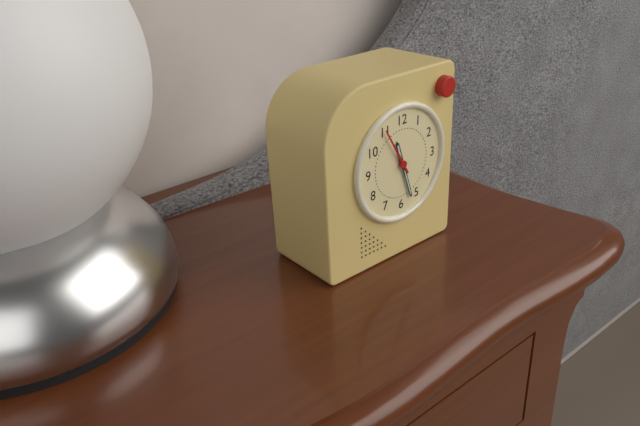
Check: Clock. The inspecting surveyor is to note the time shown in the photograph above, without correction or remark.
11:27
